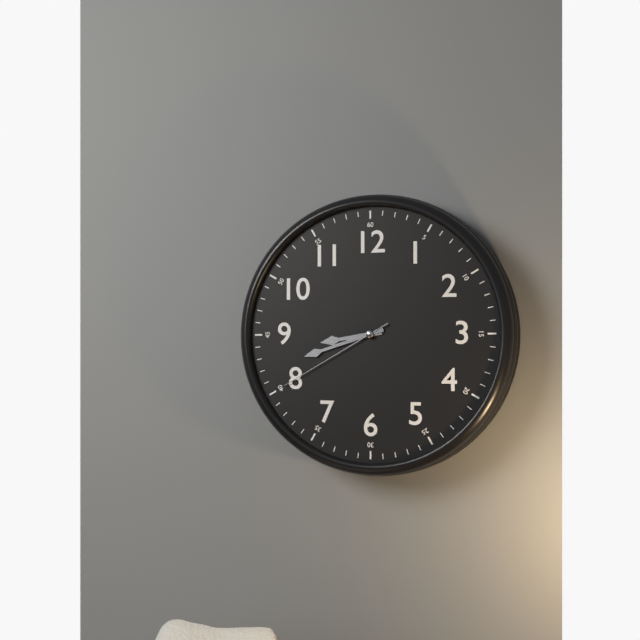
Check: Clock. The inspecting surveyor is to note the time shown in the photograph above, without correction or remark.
8:42:40
